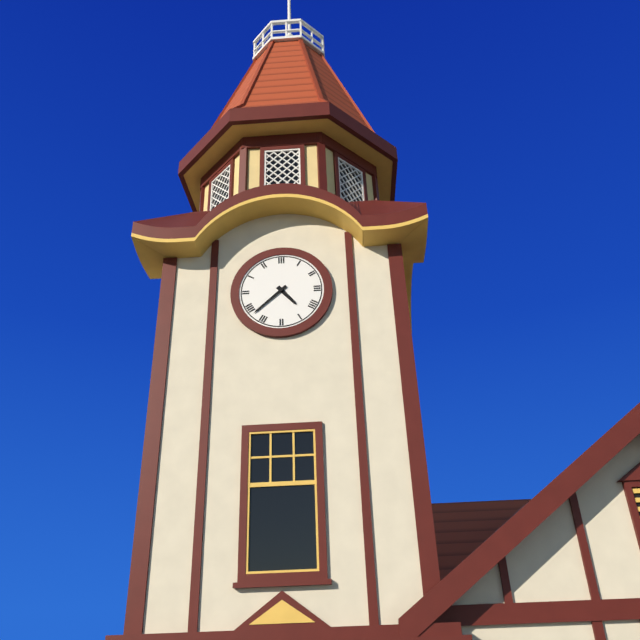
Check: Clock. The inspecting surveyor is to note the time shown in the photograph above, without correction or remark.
4:38
